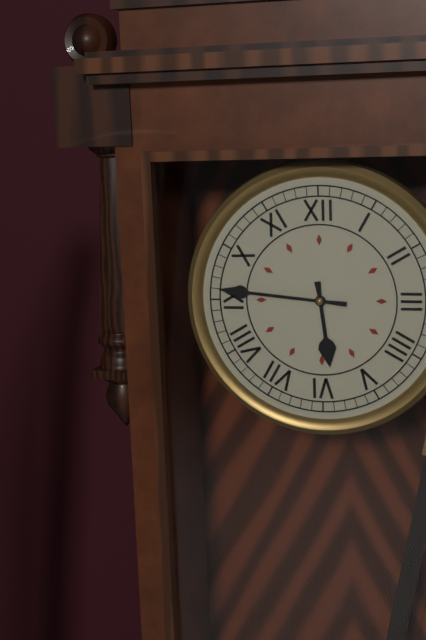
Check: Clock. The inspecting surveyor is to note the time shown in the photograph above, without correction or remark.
5:46
